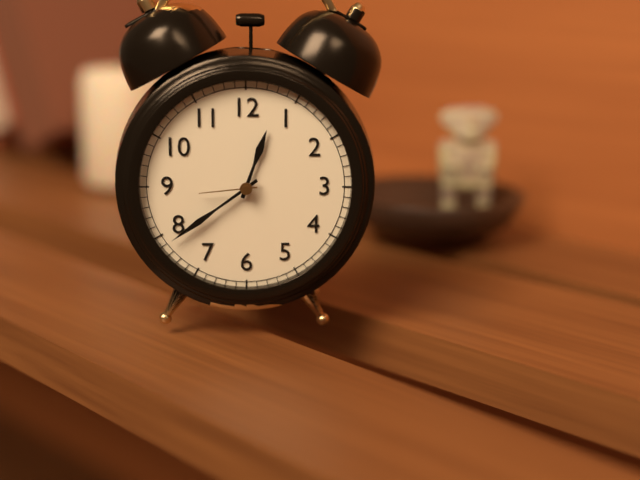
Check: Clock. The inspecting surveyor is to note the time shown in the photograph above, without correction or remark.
12:39:44
